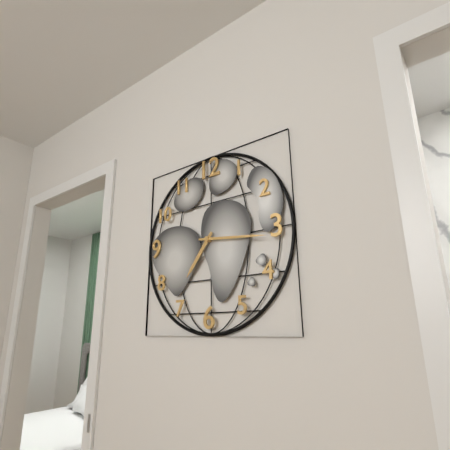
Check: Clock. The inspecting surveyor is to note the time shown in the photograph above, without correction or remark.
7:16
